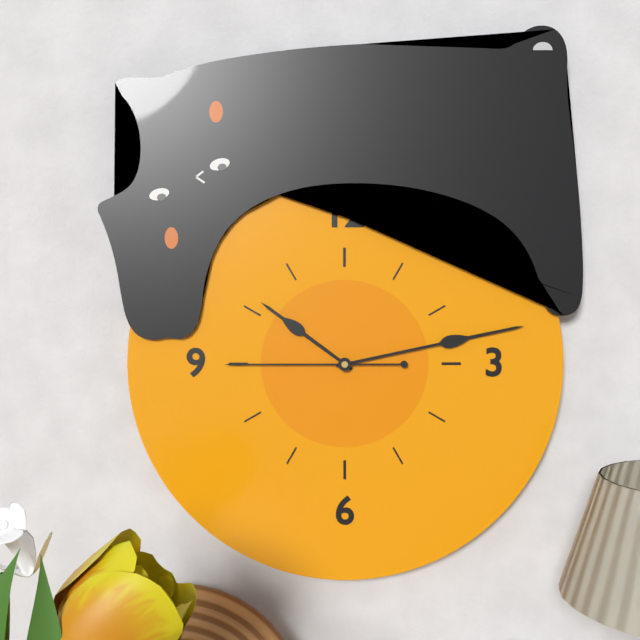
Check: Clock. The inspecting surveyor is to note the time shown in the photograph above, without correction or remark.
10:13:45
